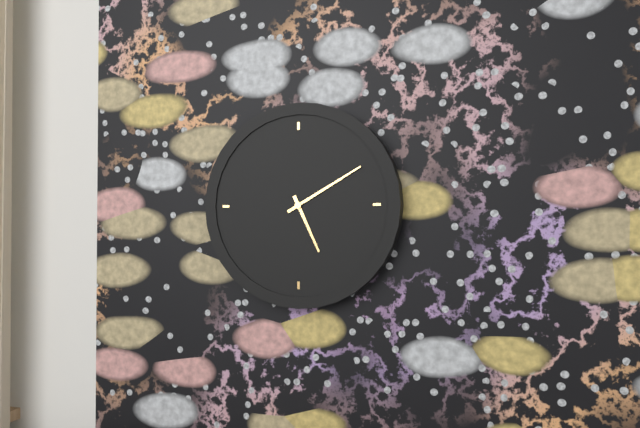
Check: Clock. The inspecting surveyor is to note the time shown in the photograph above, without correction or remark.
5:10
